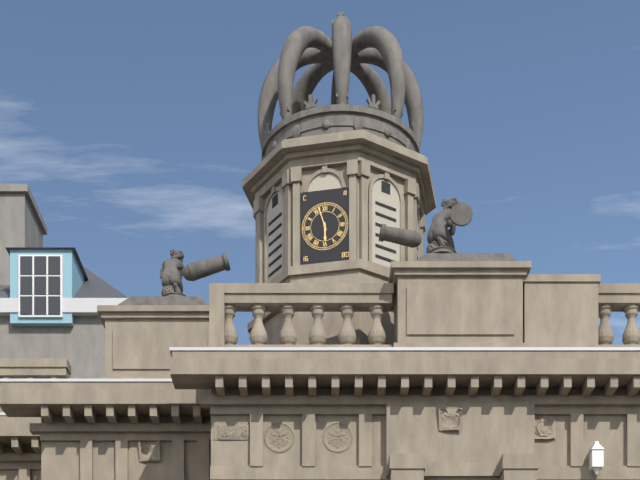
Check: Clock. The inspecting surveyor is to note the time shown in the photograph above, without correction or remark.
5:57
